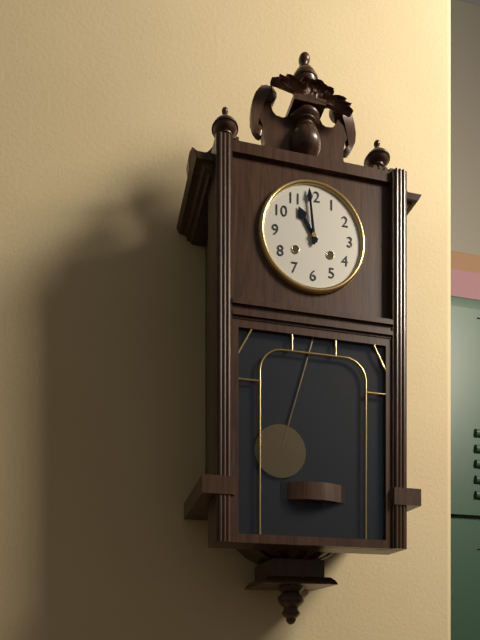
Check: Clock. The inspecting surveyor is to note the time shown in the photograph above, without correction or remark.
10:59
